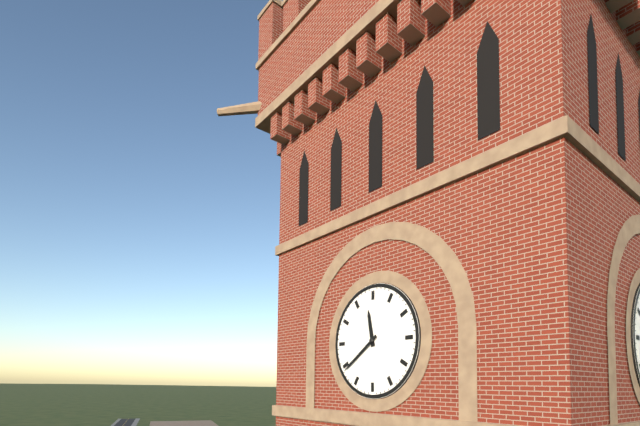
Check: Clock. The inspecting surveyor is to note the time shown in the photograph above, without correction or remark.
11:39
